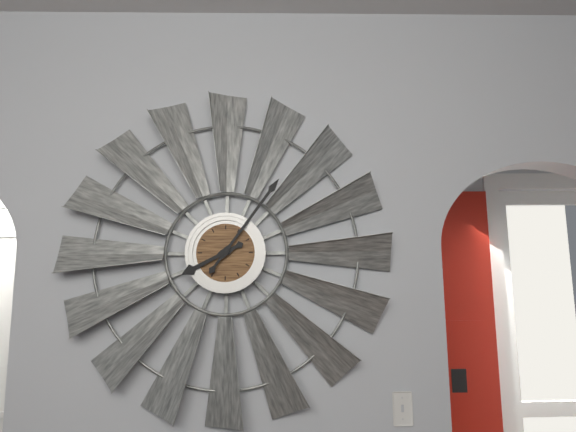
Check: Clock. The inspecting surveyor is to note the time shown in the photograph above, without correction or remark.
8:06
